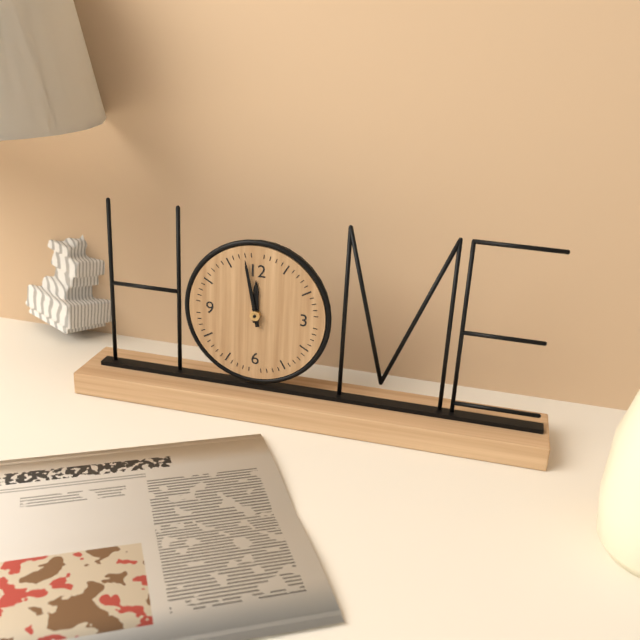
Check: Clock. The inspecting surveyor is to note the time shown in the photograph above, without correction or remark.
11:58
